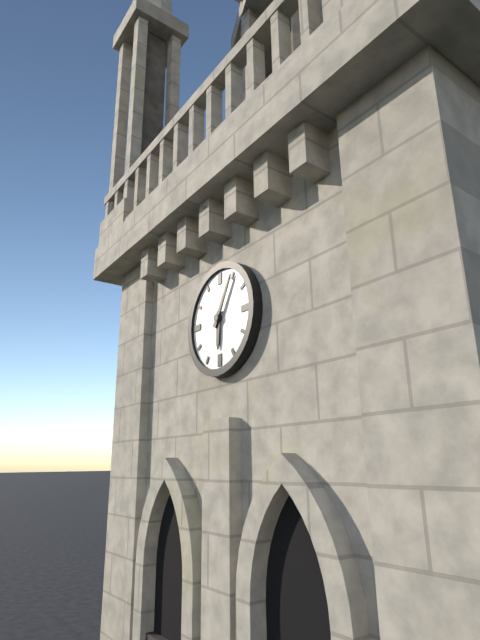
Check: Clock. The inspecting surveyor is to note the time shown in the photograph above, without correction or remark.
6:05
